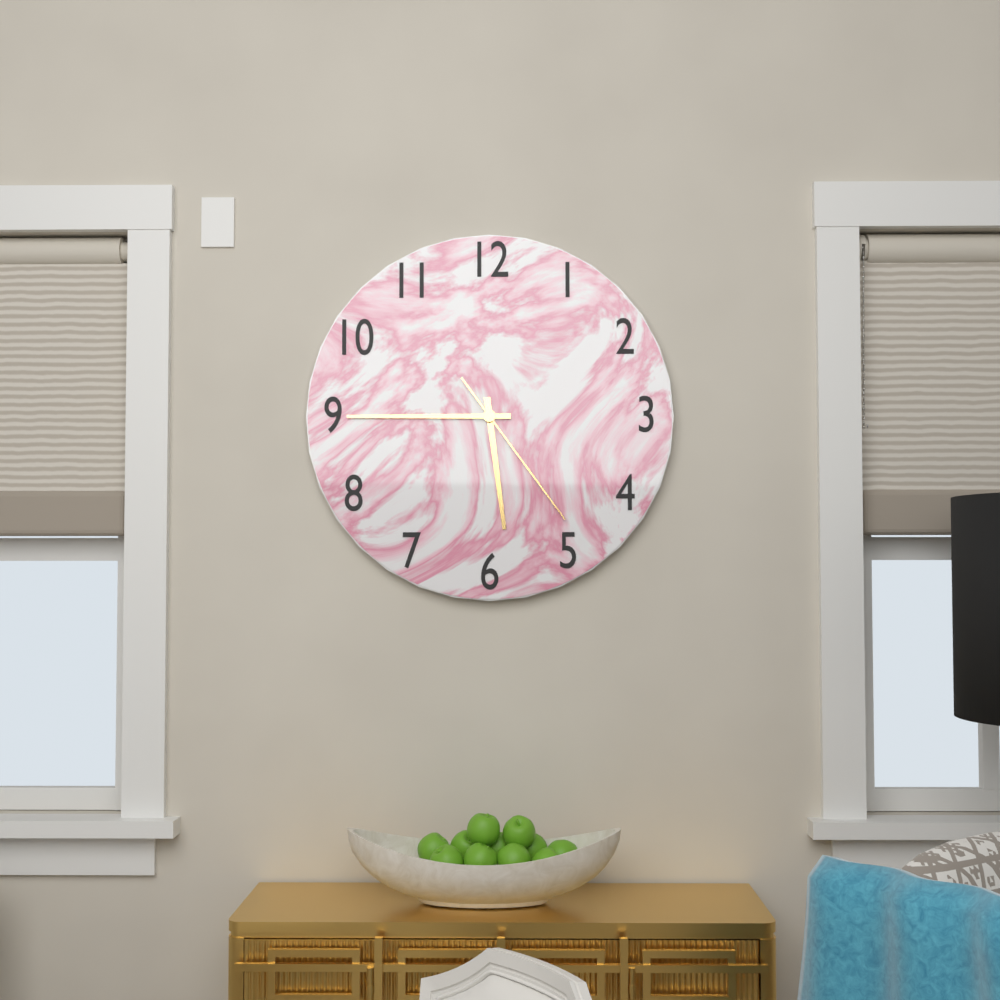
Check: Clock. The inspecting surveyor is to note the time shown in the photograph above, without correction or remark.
5:45:24
